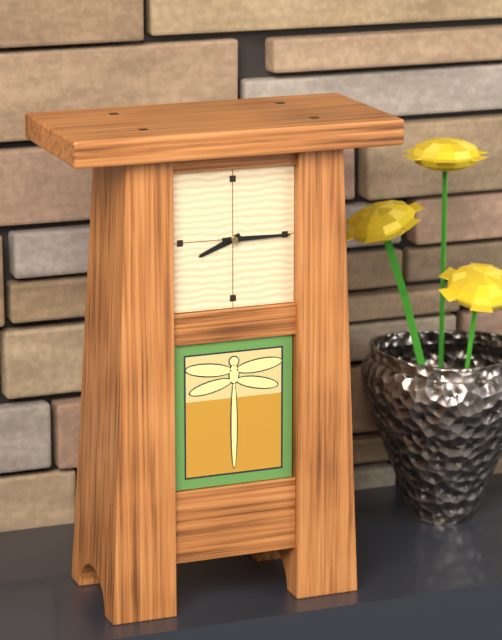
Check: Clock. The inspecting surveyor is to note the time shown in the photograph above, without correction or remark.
8:15
